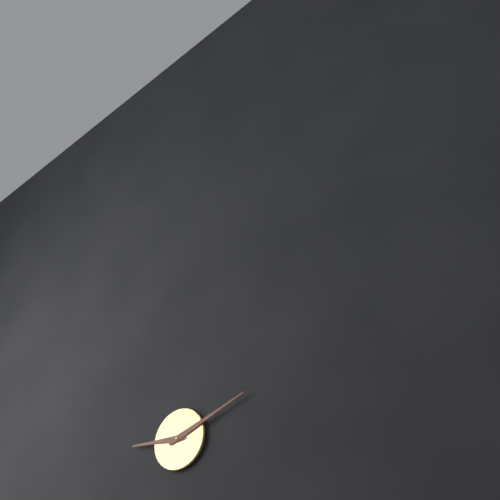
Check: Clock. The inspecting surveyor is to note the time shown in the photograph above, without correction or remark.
9:12
